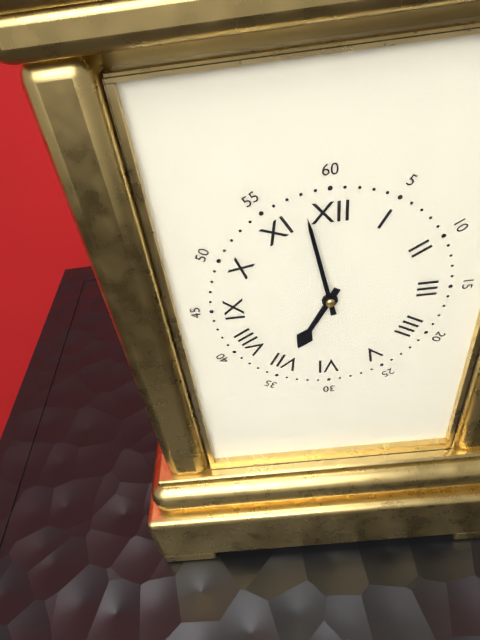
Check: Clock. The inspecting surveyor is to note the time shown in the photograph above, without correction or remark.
6:58
